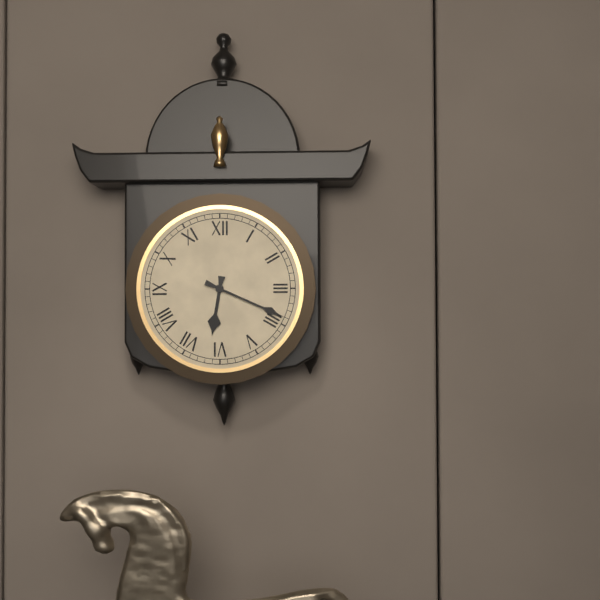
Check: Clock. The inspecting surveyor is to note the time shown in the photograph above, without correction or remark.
6:19
